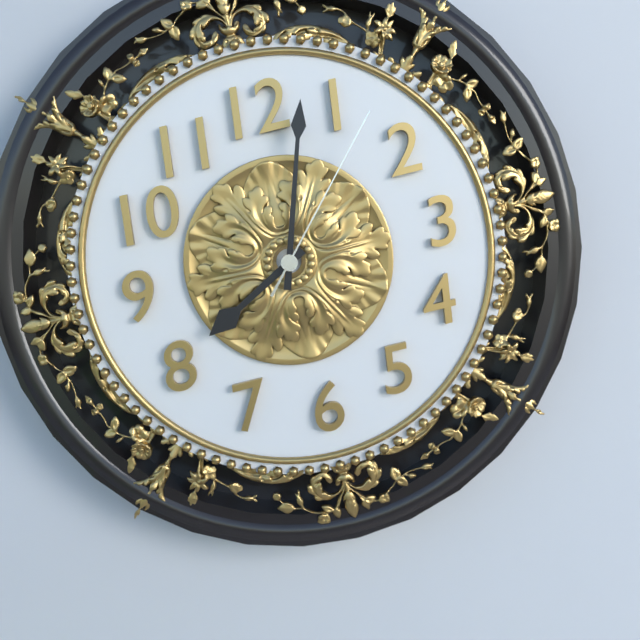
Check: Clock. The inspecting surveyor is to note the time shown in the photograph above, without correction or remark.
8:03:07
